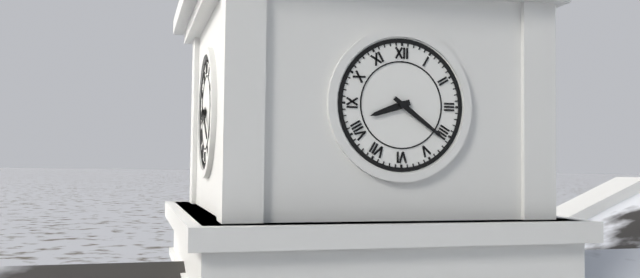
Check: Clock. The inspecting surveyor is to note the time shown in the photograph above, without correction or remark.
8:21
